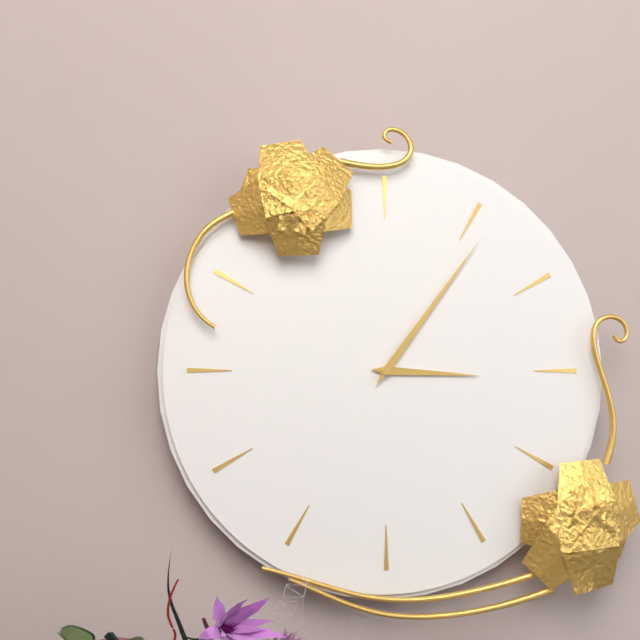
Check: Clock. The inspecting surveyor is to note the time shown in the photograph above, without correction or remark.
3:06
